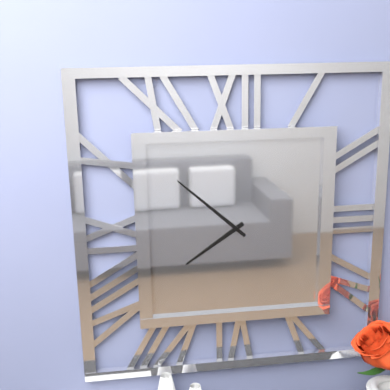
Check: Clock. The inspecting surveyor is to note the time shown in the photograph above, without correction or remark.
7:52
